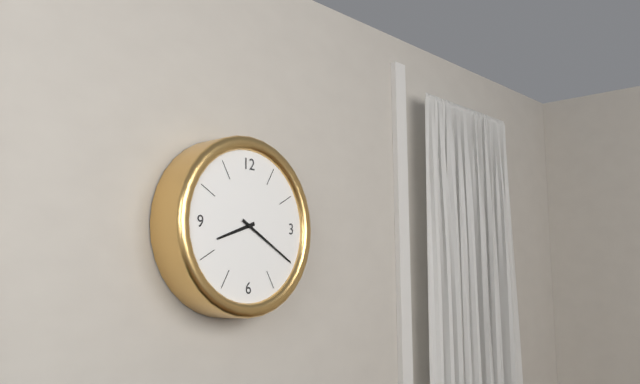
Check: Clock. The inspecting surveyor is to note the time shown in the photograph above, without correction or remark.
8:20
